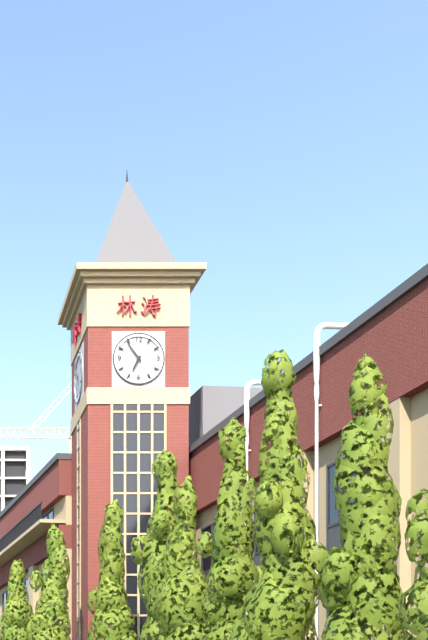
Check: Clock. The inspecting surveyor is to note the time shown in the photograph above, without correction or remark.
6:54
